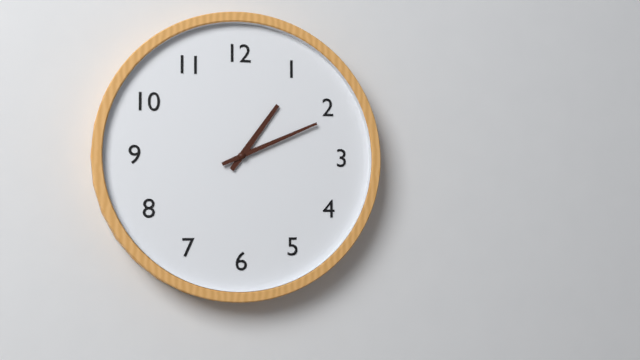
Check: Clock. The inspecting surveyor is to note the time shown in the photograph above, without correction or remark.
1:11
